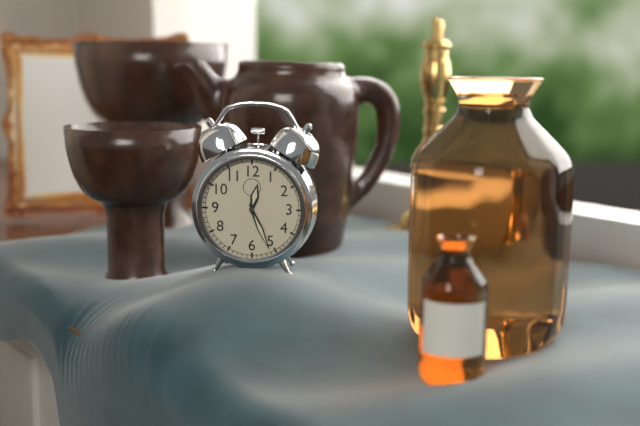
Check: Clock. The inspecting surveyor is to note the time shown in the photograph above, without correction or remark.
12:26
